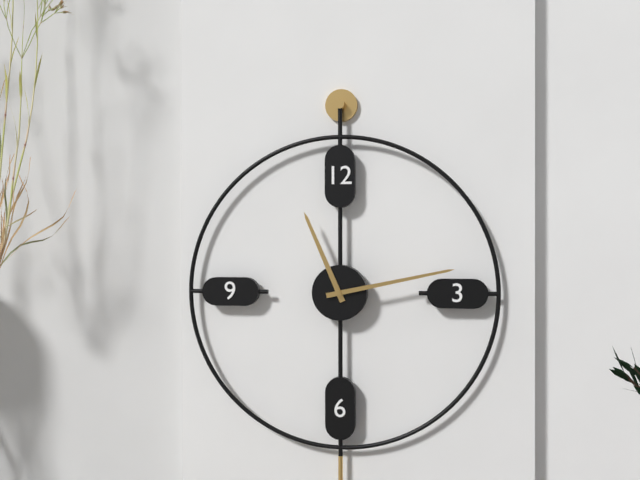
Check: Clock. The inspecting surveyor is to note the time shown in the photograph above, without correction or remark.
11:13
